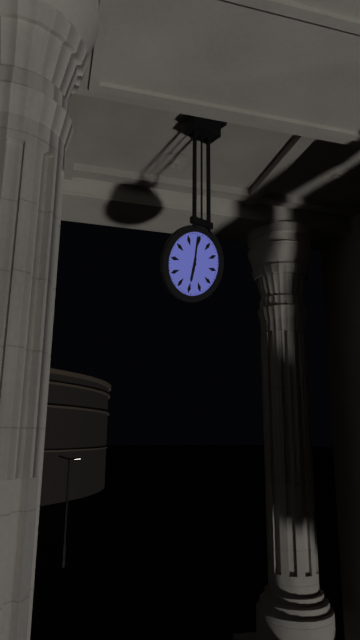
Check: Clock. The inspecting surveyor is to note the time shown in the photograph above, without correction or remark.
5:59
